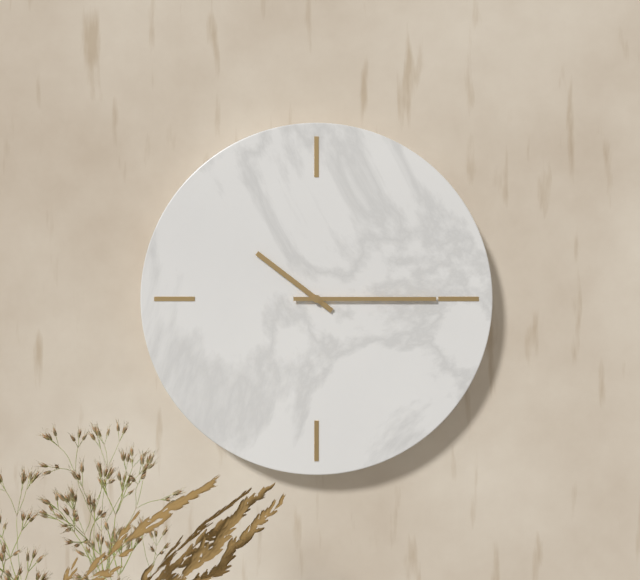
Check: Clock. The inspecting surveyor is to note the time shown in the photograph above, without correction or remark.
10:15
